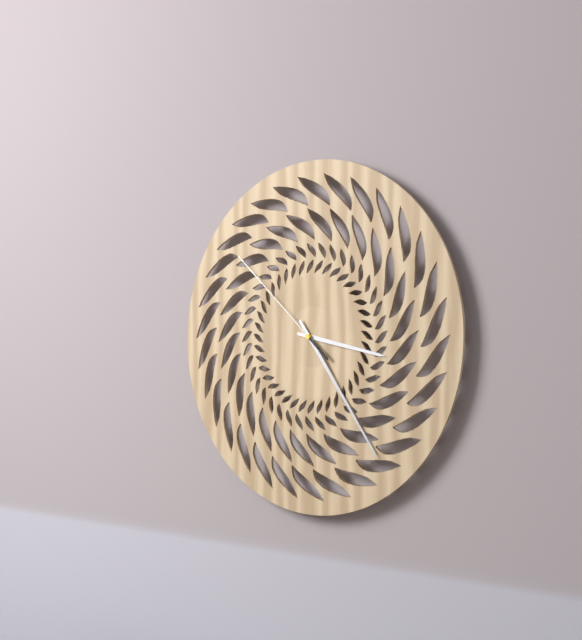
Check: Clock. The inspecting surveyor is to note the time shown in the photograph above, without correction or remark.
3:24:52
